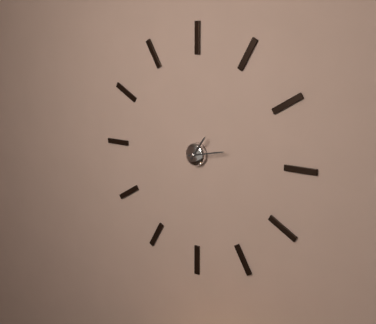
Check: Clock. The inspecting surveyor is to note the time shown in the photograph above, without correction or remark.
1:13
